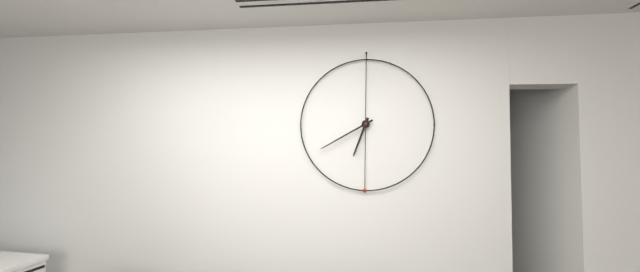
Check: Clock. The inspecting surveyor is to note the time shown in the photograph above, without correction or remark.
6:40
